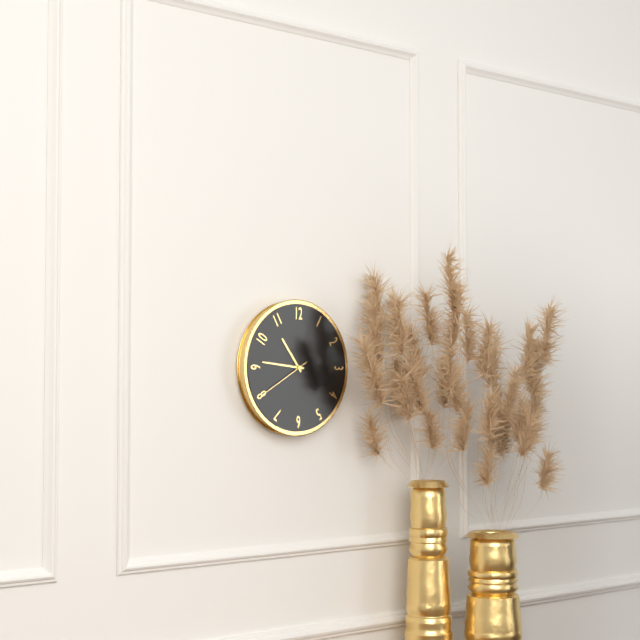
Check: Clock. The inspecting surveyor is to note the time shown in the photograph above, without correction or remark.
10:46
